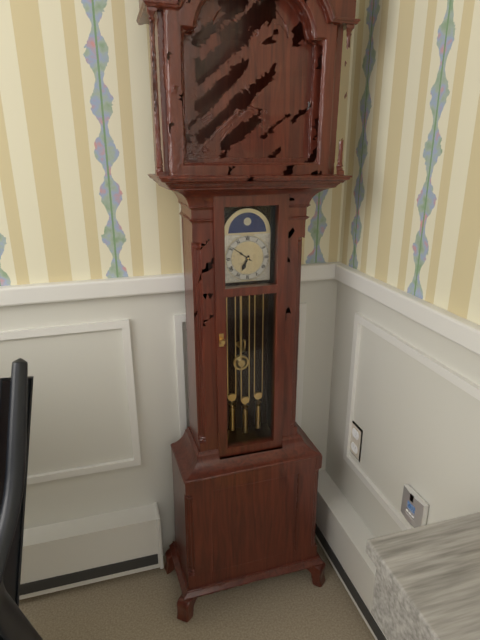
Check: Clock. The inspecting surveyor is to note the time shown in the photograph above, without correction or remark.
6:51
